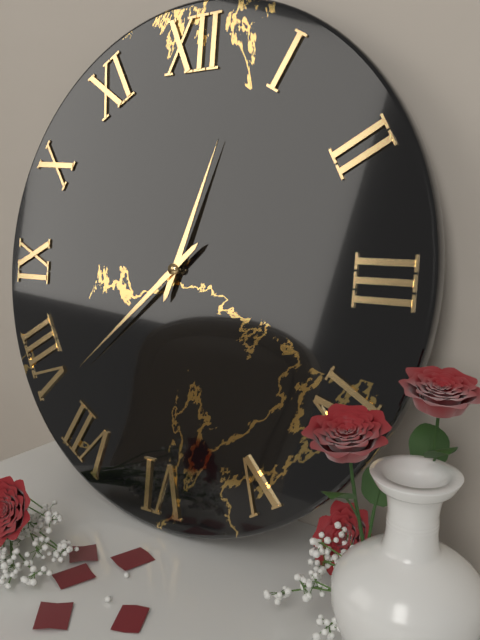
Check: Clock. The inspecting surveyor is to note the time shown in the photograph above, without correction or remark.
12:38
